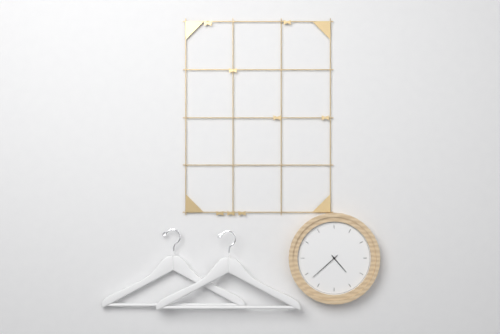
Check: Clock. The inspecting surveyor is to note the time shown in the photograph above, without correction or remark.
4:38
